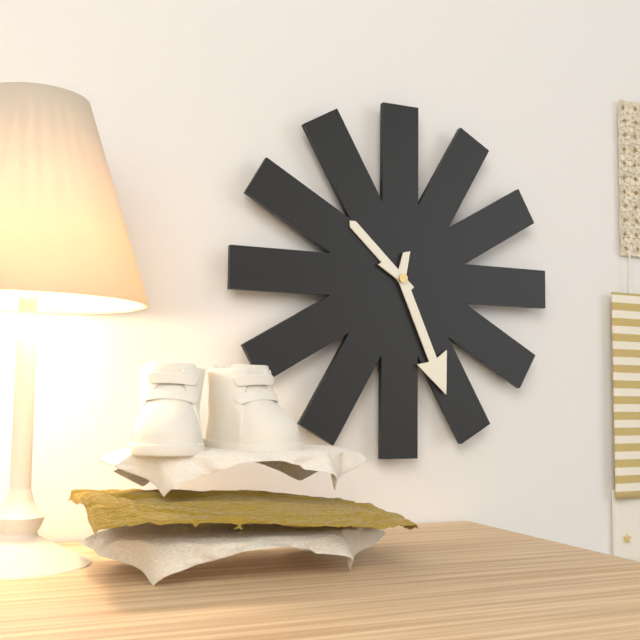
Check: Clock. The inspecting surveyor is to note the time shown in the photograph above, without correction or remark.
10:26
